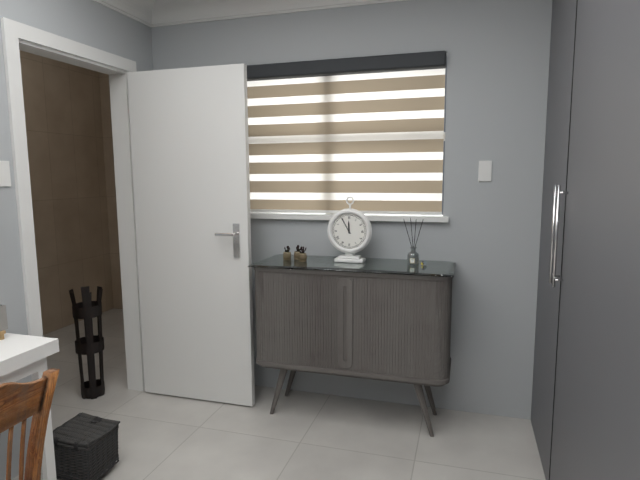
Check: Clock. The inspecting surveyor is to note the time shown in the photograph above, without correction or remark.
11:55
